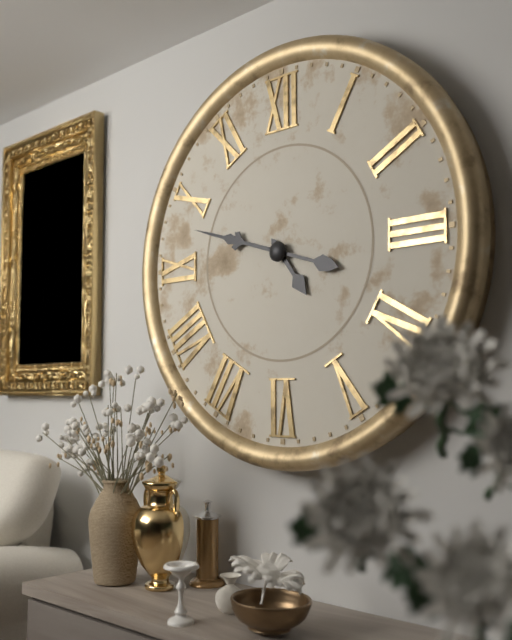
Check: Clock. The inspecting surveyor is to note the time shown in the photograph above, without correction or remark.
4:48
